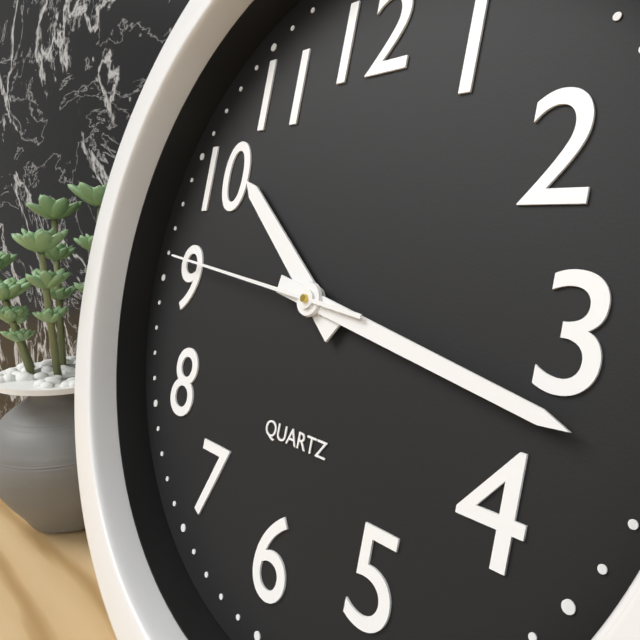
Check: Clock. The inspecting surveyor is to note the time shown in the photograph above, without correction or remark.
10:17:46
